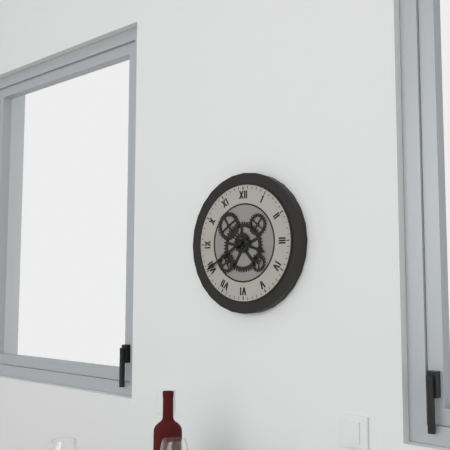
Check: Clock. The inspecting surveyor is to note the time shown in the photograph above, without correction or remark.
3:40
